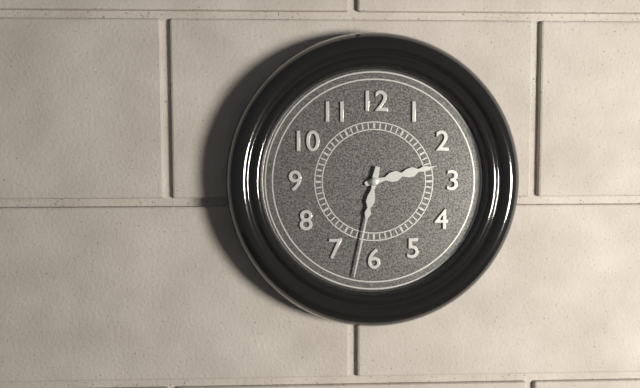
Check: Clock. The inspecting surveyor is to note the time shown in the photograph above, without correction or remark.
2:32
